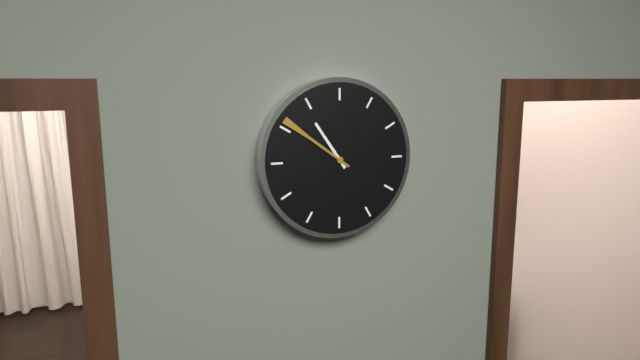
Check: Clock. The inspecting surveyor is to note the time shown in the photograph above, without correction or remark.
10:51
